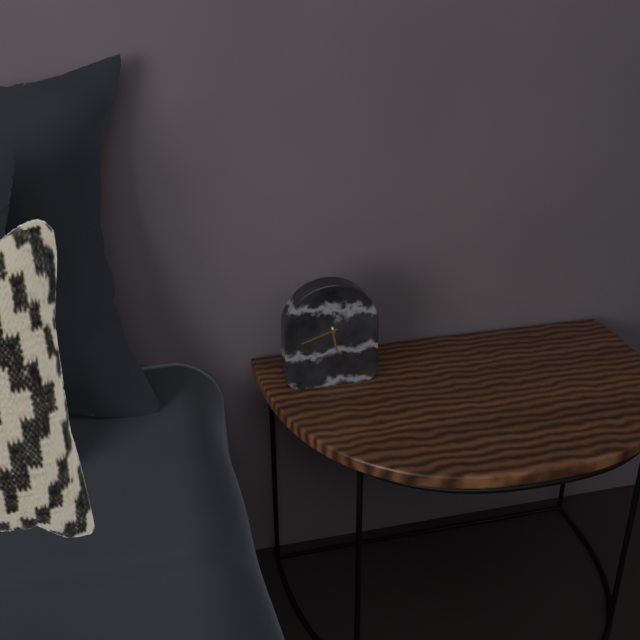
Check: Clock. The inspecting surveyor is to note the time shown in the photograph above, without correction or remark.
5:42
